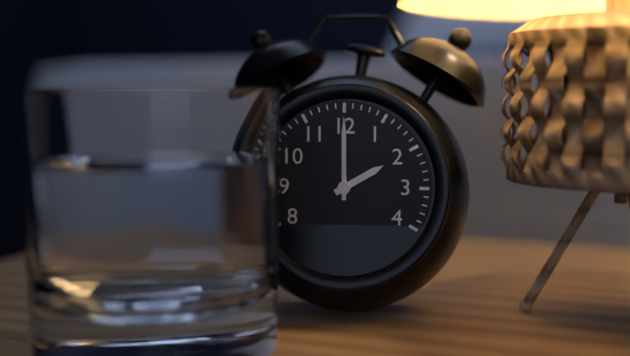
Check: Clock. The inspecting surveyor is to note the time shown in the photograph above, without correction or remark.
2:00
